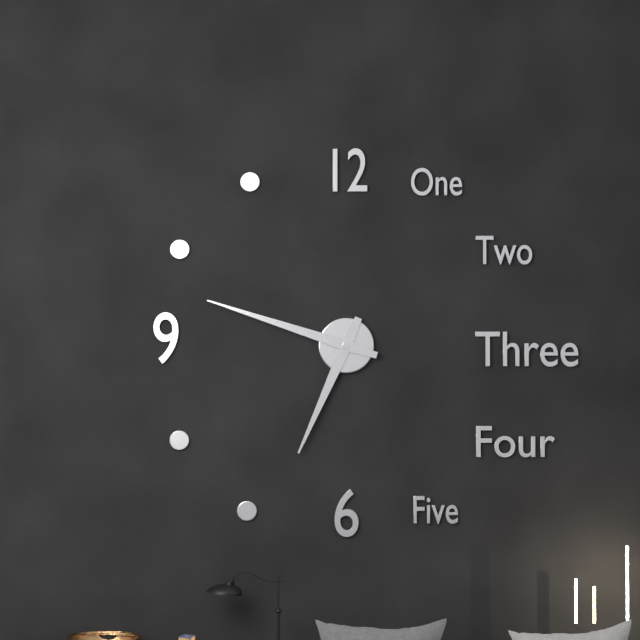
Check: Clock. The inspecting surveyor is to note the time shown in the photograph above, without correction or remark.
6:48
